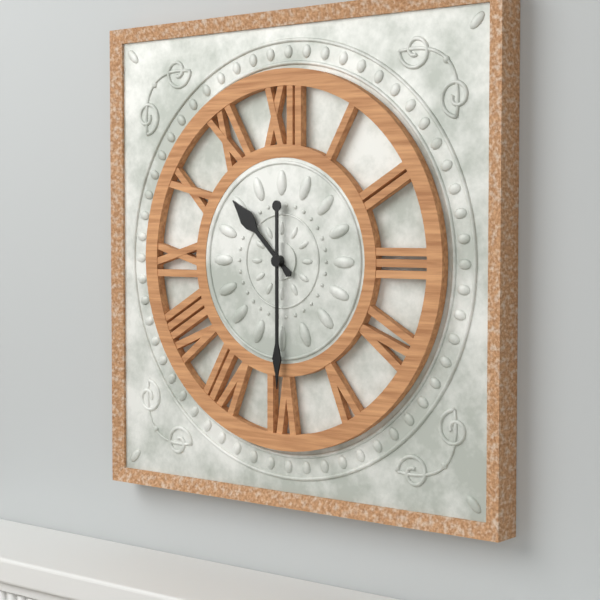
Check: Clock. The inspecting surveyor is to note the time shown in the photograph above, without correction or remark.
10:30
